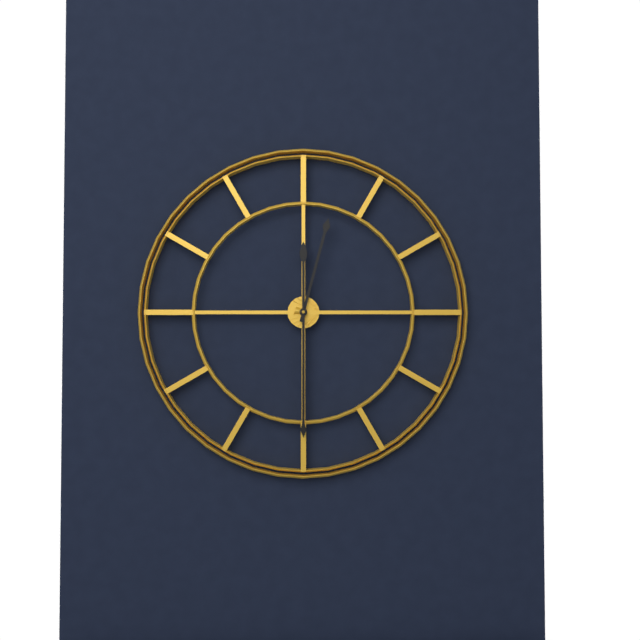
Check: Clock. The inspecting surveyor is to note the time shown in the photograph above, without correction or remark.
12:30
